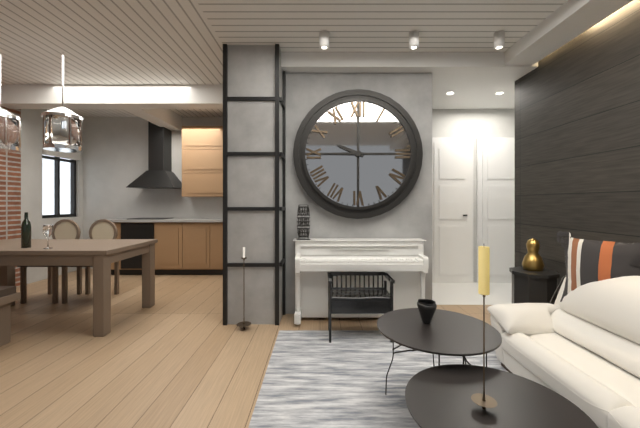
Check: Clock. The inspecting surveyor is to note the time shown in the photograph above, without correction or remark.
9:45
